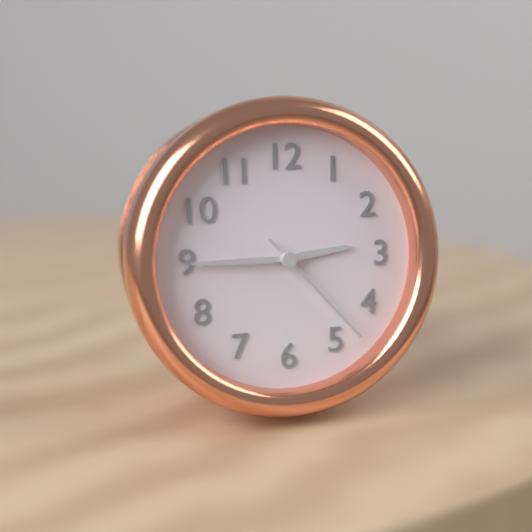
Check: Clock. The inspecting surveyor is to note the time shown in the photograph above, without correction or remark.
2:45:23
